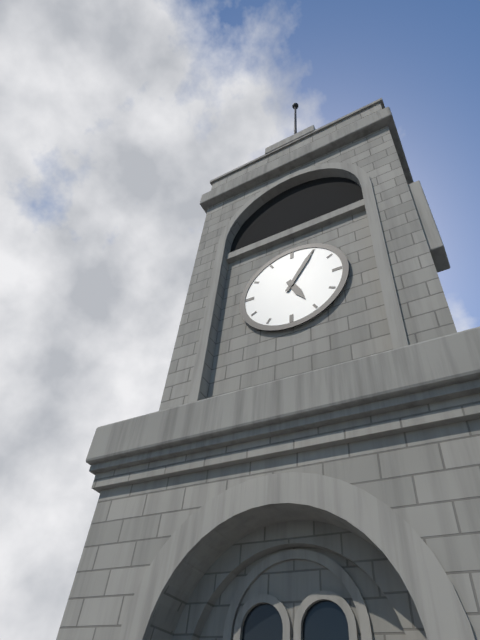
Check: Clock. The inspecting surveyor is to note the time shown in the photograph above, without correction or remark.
5:05
